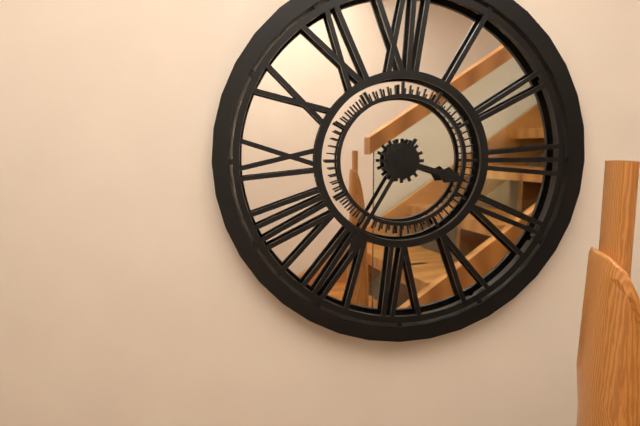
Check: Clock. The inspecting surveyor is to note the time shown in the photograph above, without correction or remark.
3:35
